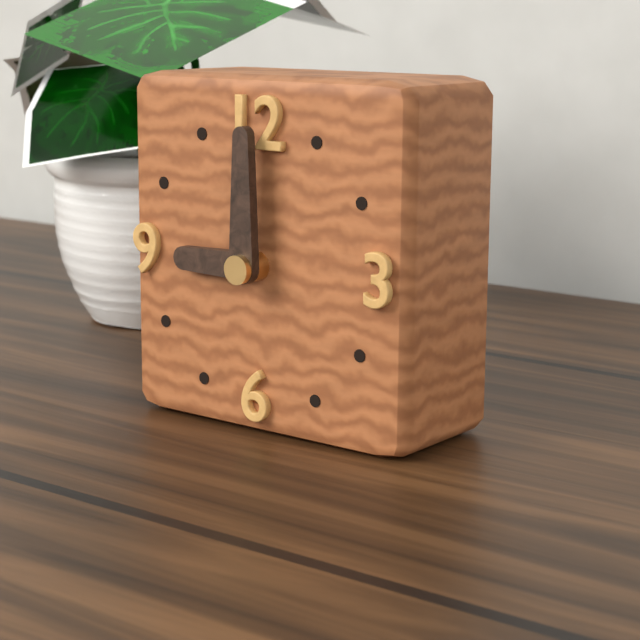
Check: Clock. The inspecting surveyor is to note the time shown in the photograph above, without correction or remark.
9:00
